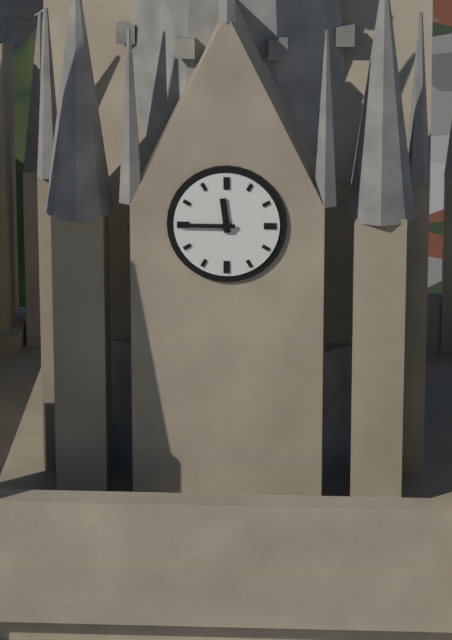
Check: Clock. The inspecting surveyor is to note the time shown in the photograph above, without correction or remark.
11:45
